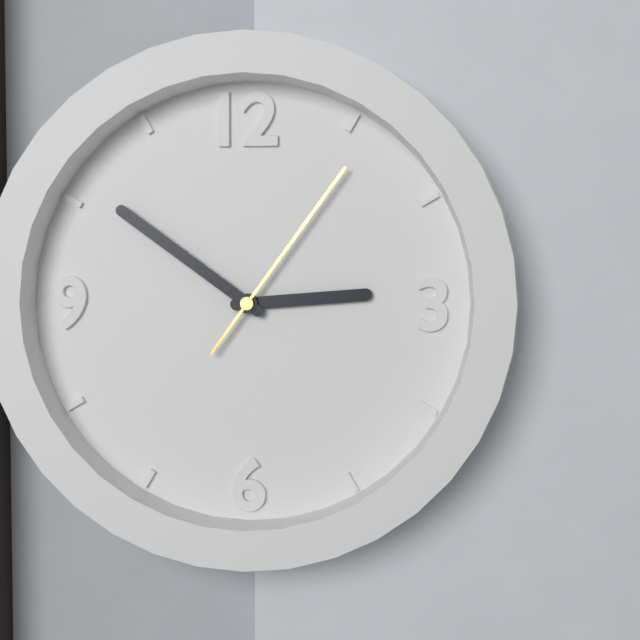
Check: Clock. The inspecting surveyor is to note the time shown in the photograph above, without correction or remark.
2:51:06
